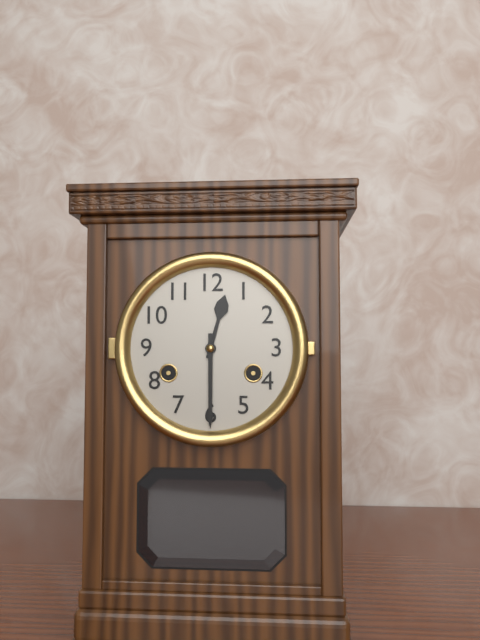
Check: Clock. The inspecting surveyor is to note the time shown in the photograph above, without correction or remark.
12:30
